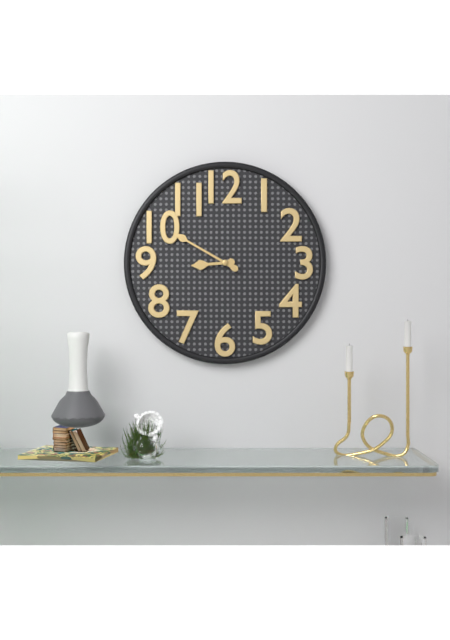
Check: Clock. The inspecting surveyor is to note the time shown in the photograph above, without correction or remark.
8:50
